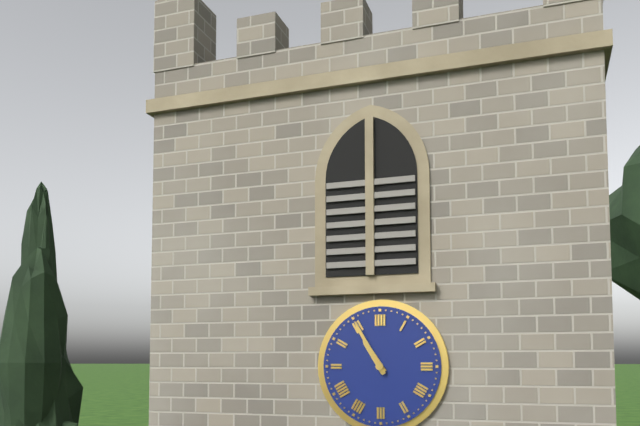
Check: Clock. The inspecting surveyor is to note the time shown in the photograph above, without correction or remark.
10:55
